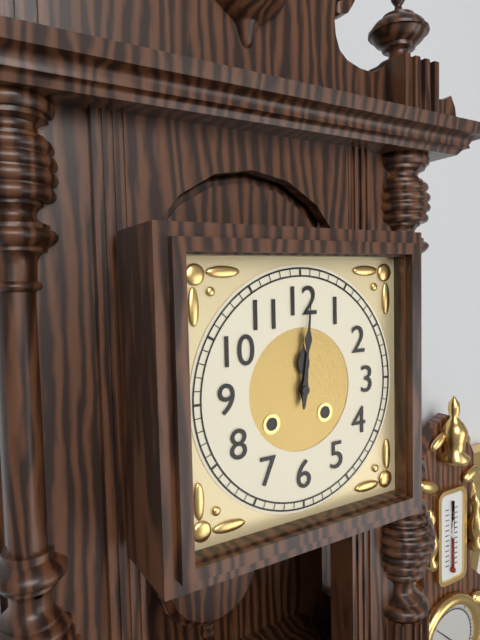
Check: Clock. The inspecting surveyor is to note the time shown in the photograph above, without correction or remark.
12:01
